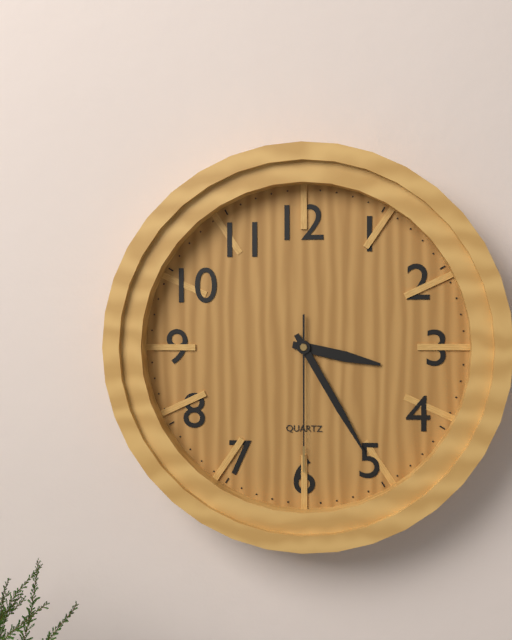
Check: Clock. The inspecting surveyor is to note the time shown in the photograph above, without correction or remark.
3:25:30
